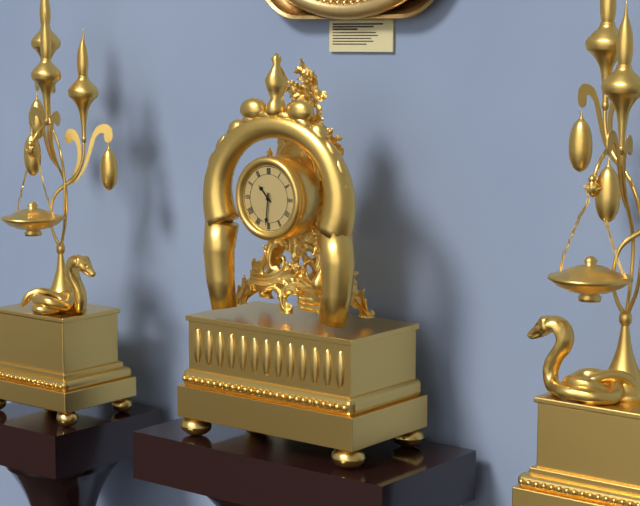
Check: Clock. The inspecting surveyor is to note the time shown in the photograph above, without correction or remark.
10:31
